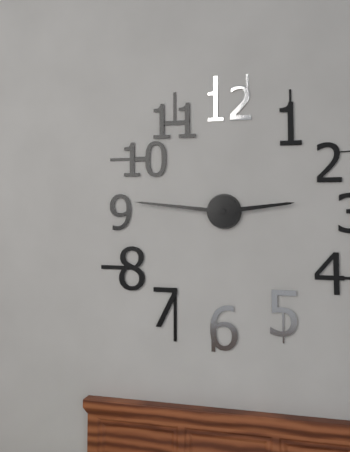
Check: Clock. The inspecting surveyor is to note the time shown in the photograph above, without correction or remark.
2:46
